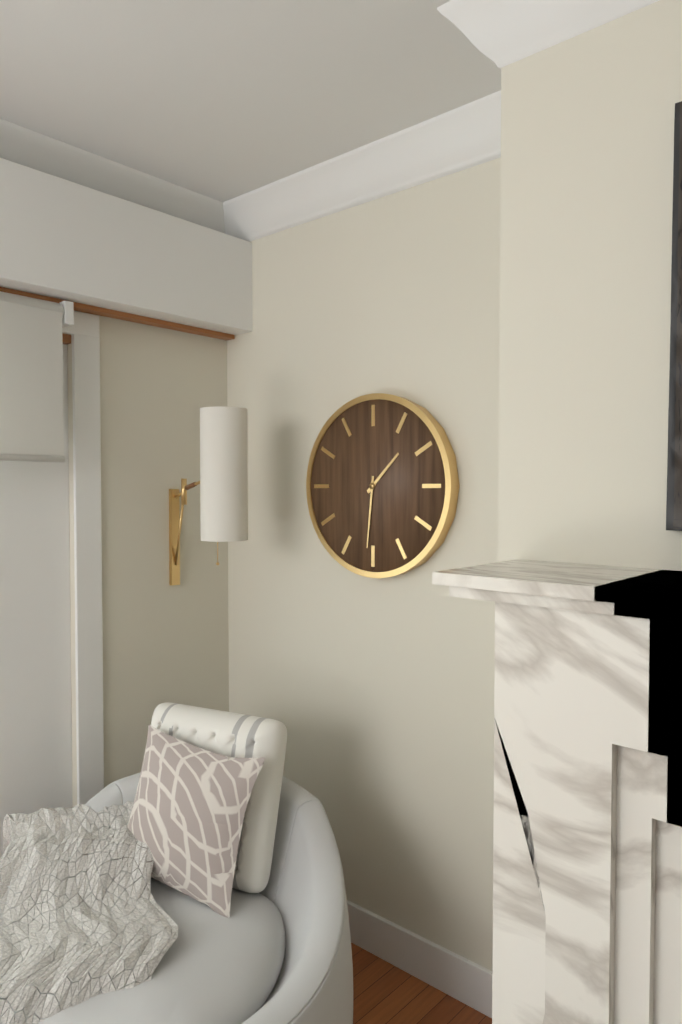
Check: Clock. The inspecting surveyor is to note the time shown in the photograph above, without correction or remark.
1:31
